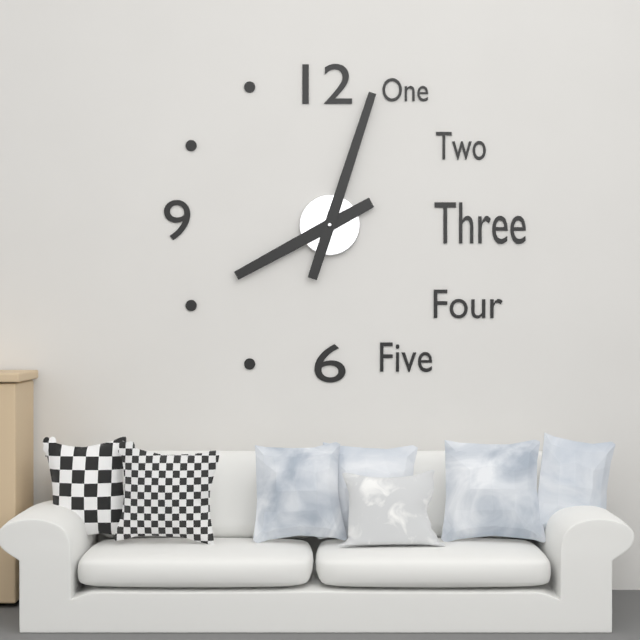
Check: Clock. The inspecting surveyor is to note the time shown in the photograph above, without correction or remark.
8:03
